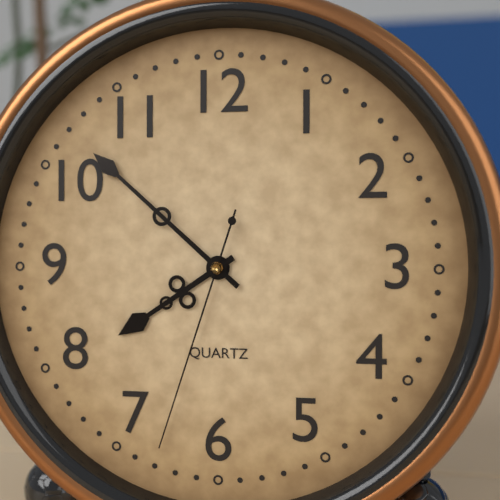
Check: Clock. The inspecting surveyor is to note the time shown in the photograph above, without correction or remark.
7:52:33
